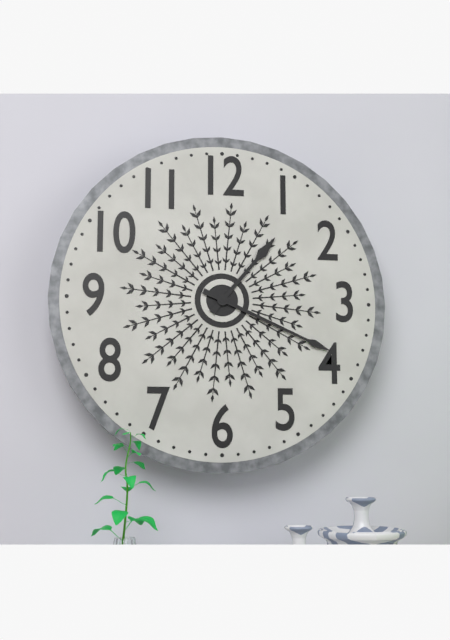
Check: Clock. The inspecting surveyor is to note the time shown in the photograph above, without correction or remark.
1:19
